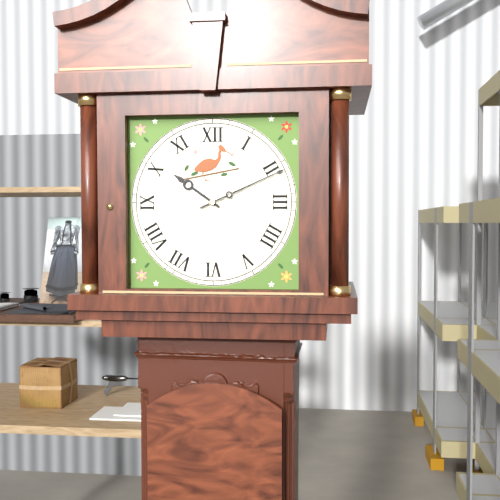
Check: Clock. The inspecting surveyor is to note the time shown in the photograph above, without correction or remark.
10:11
